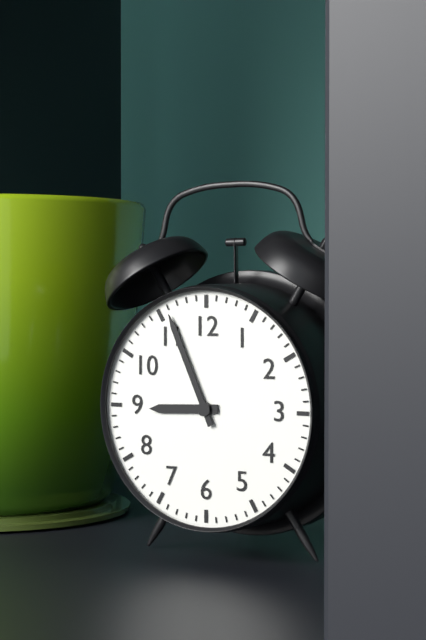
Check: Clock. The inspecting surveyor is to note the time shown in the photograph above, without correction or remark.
8:56
